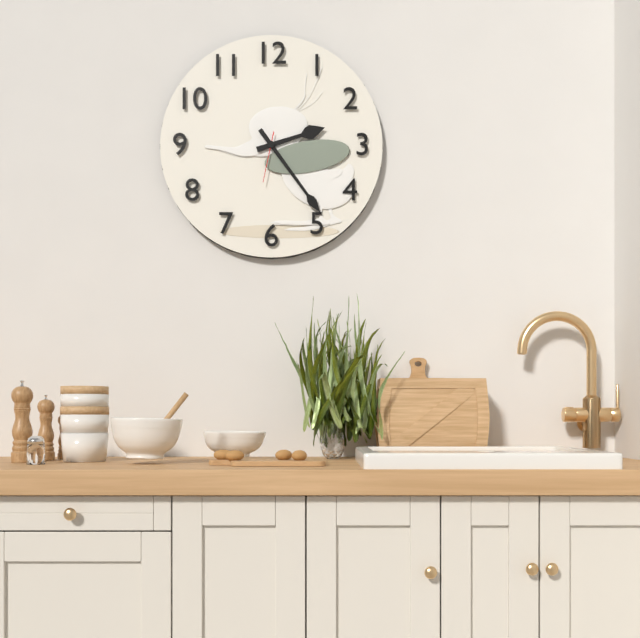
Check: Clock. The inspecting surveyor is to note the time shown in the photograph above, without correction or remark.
2:24
